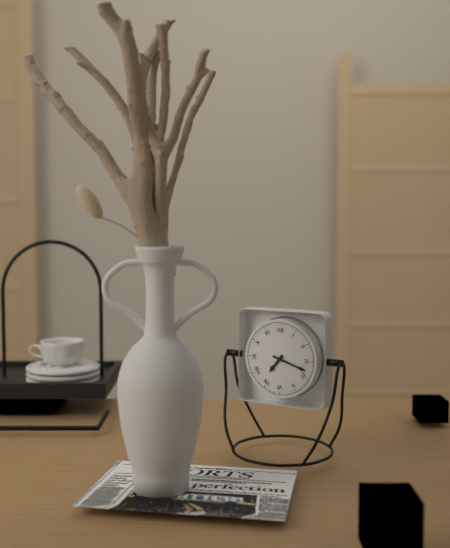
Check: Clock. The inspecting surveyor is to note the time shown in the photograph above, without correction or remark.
7:18
